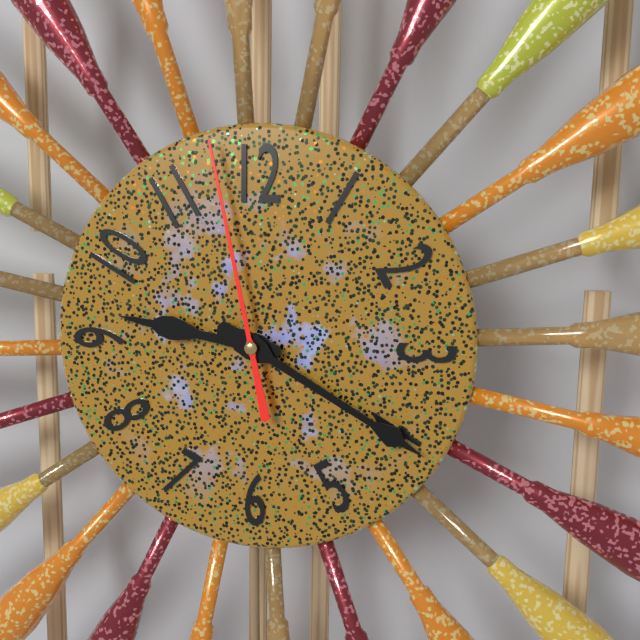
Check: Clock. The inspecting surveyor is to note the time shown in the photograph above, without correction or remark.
9:20:58
